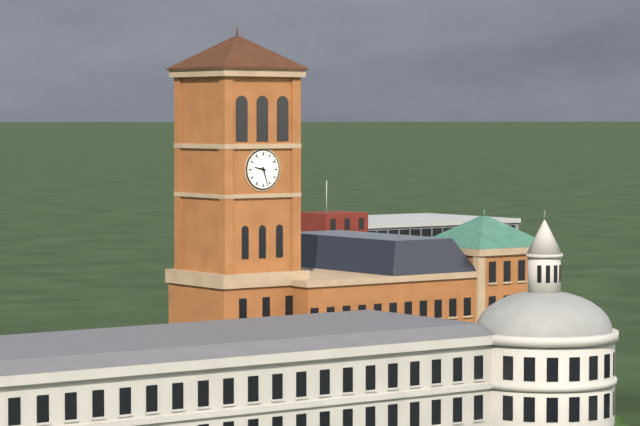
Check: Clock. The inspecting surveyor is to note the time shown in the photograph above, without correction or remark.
9:27
